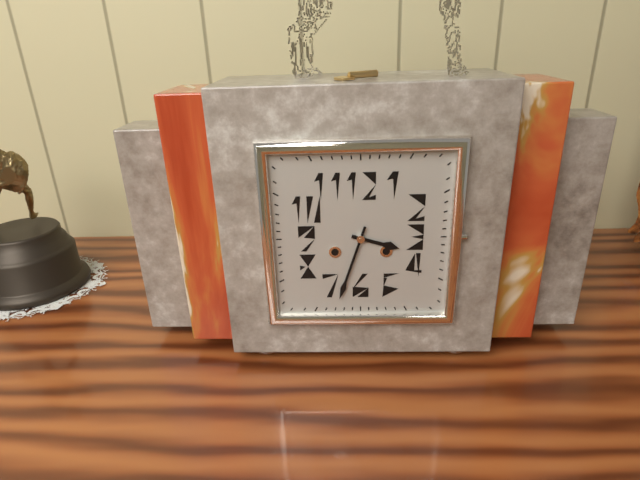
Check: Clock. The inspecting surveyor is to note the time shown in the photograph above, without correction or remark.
3:33
